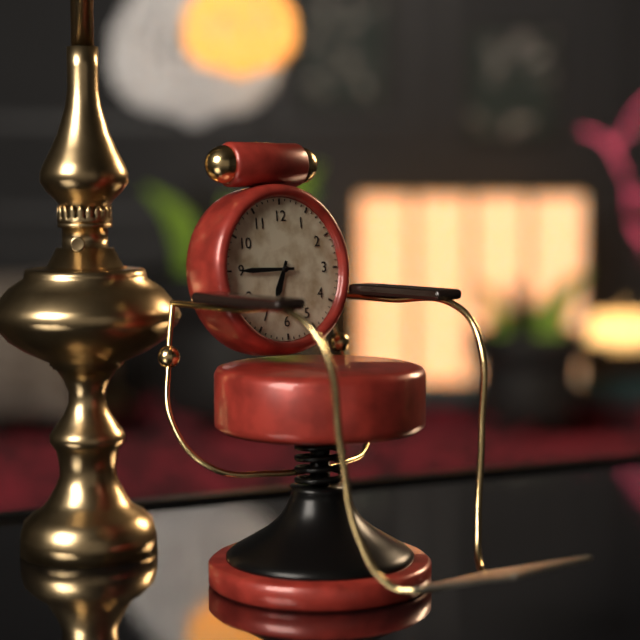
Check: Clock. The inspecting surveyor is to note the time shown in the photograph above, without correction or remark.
6:45
